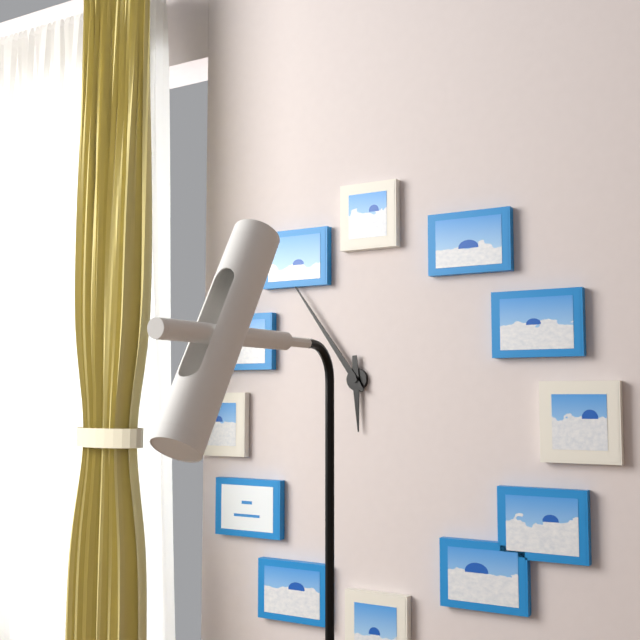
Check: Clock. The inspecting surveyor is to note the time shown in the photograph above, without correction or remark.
5:54
